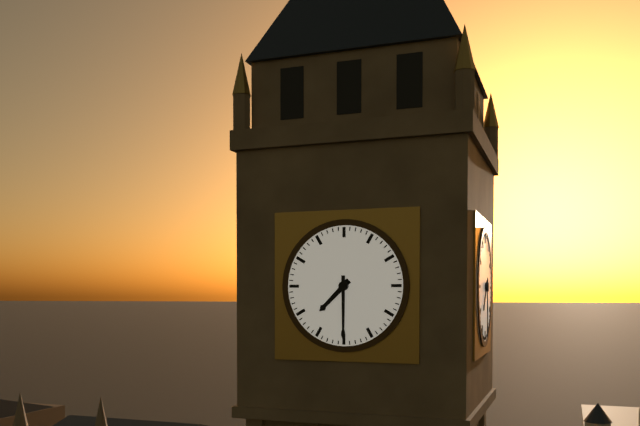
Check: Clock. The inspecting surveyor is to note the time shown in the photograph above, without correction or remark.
7:30
